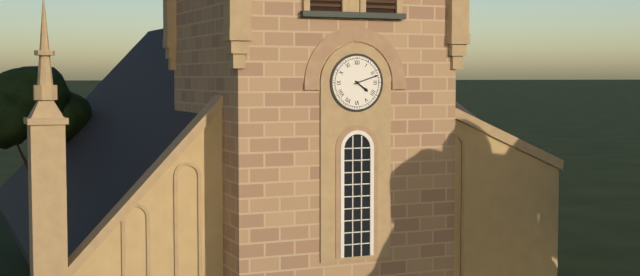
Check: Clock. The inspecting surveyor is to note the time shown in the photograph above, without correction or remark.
4:12
